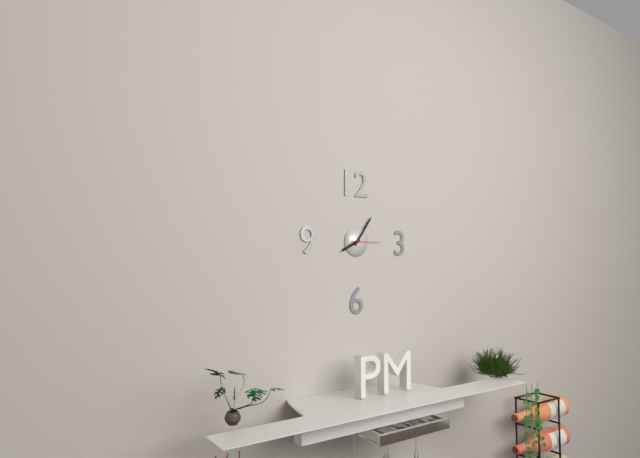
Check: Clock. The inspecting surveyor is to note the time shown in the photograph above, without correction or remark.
8:06
